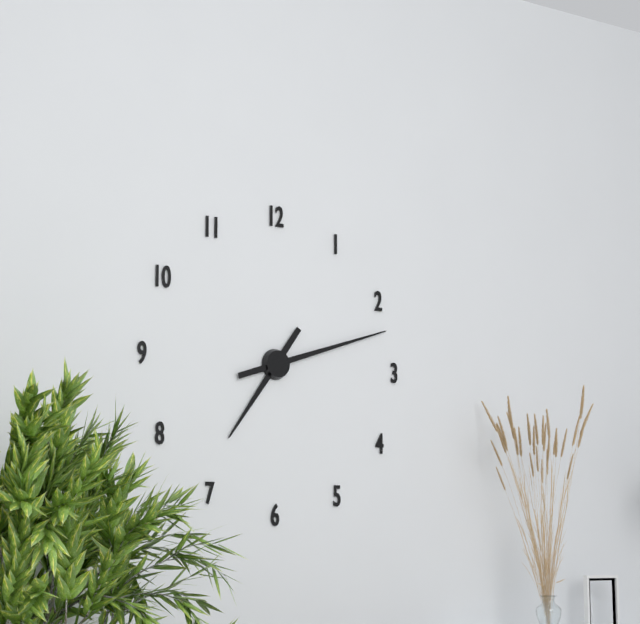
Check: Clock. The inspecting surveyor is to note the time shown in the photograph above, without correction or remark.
7:12
